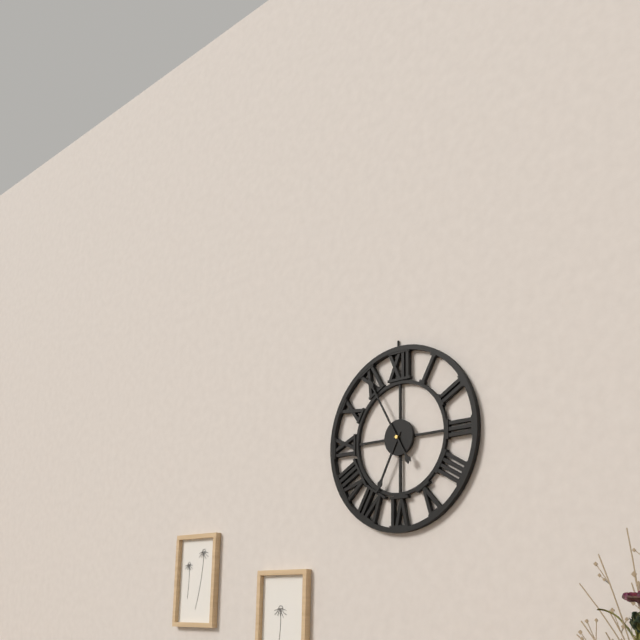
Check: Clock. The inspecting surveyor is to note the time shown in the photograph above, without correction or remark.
6:55
